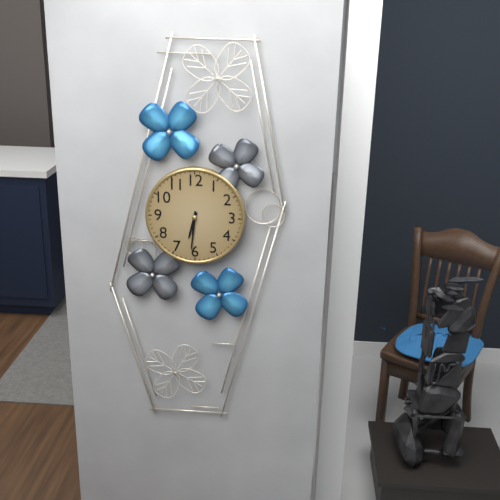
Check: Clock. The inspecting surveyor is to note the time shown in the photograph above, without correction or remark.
6:31
